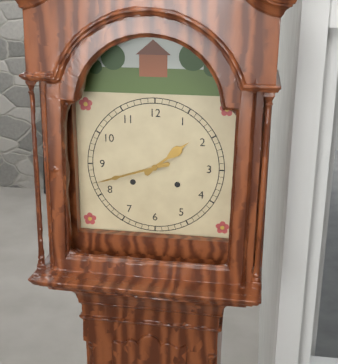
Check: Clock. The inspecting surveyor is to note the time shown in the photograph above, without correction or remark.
1:42
